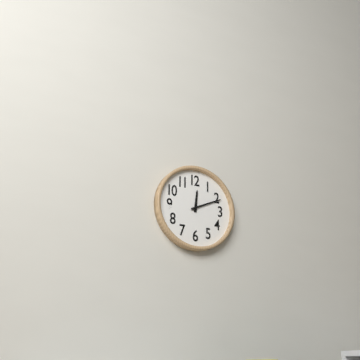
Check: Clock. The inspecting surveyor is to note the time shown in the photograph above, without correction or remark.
12:11
